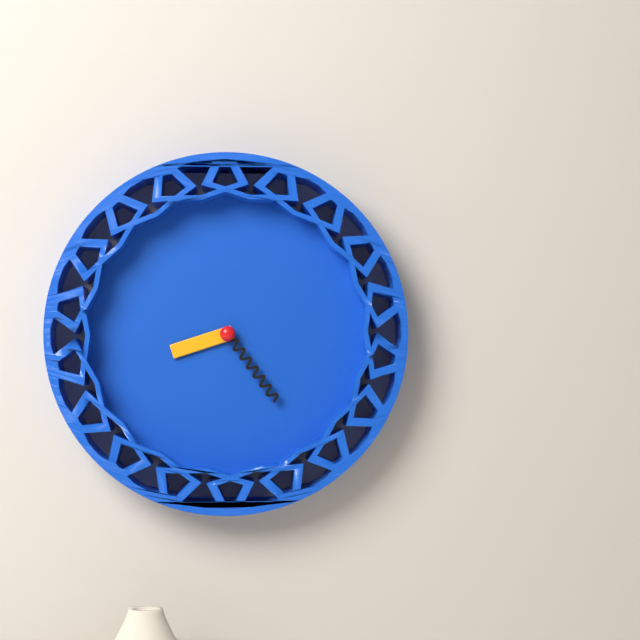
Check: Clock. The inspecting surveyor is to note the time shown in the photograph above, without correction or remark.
8:24
